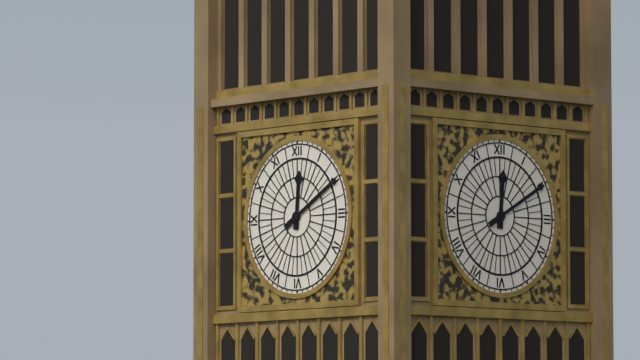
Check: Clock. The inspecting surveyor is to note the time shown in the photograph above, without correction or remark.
12:10
